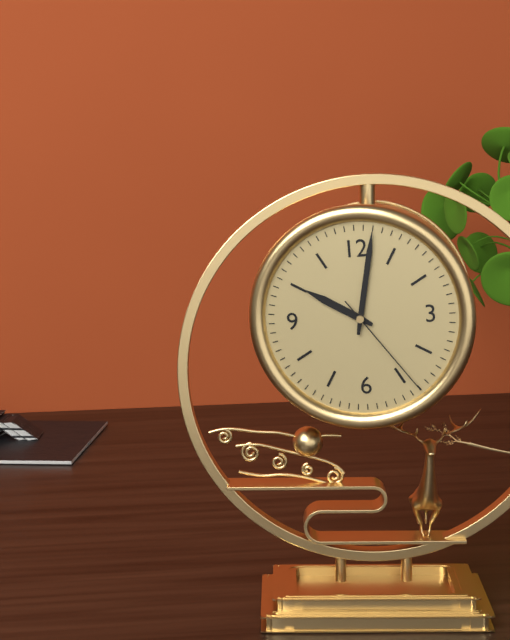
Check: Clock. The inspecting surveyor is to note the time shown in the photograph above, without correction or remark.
10:02:24
